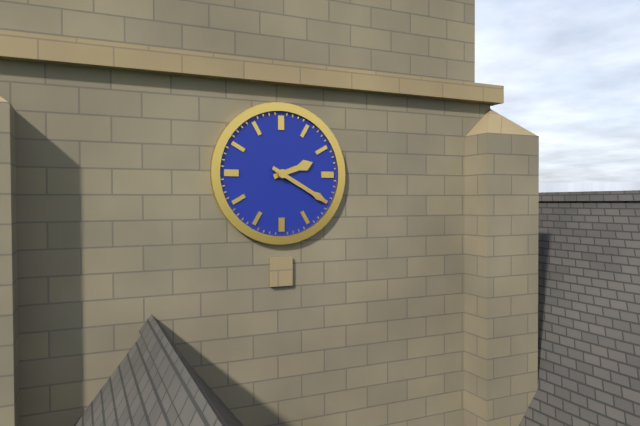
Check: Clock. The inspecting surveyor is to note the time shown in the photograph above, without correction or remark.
2:20
